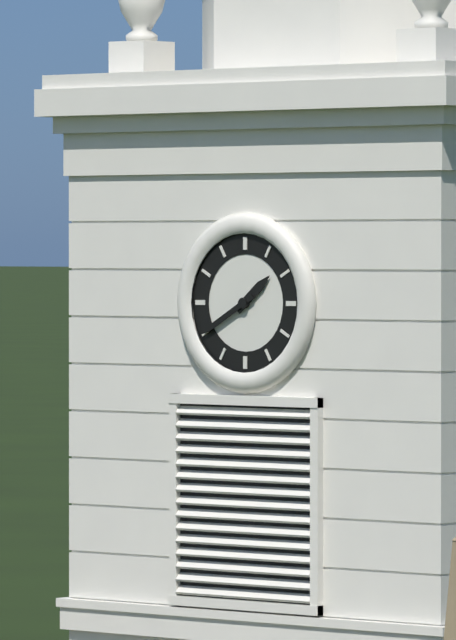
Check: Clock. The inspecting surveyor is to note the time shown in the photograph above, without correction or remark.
1:40
